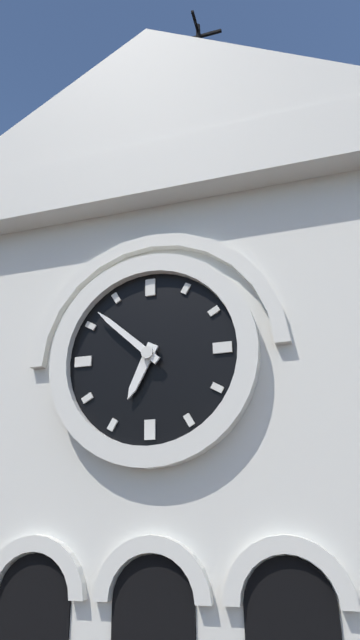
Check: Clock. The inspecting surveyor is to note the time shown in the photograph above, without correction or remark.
6:52
